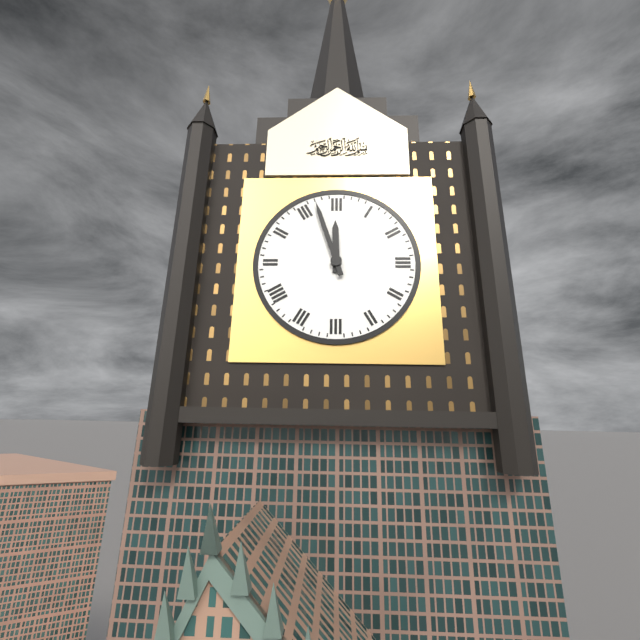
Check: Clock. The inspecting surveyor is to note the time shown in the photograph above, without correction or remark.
11:57
